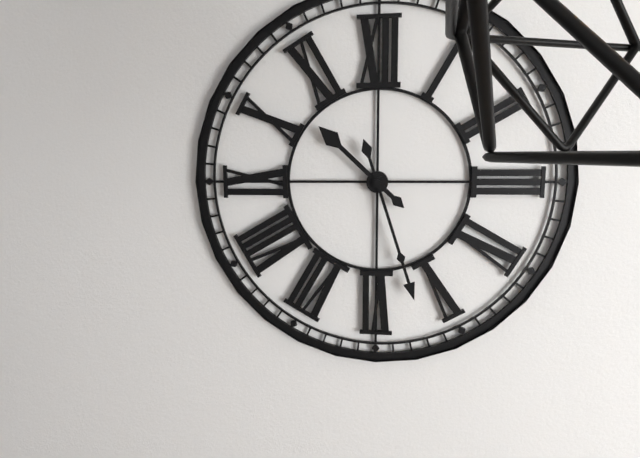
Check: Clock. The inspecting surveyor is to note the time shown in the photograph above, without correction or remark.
10:27
